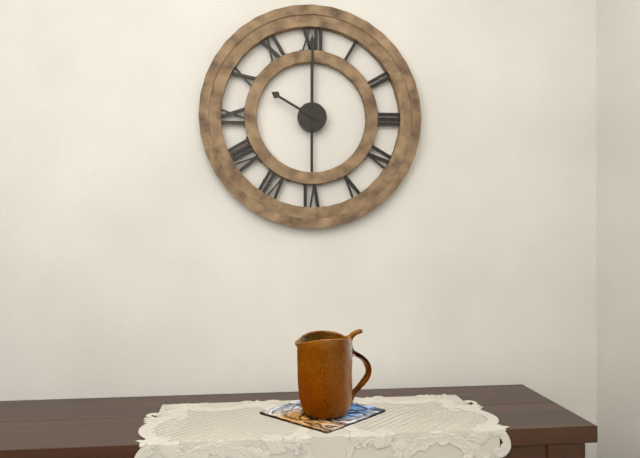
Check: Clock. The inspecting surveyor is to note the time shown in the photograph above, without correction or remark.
10:00
